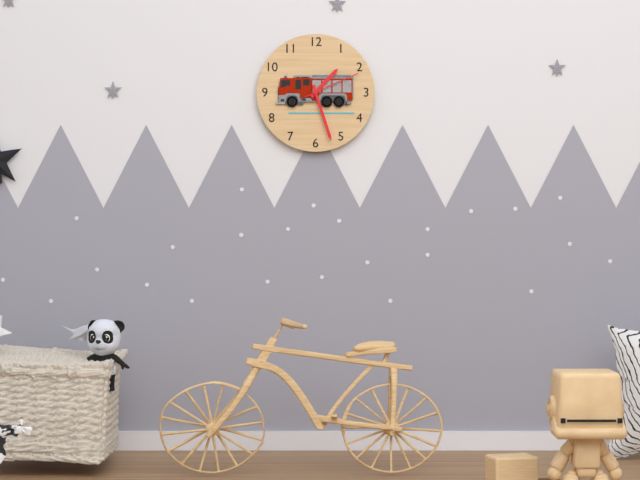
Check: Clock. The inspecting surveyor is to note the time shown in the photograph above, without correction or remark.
1:27:11
